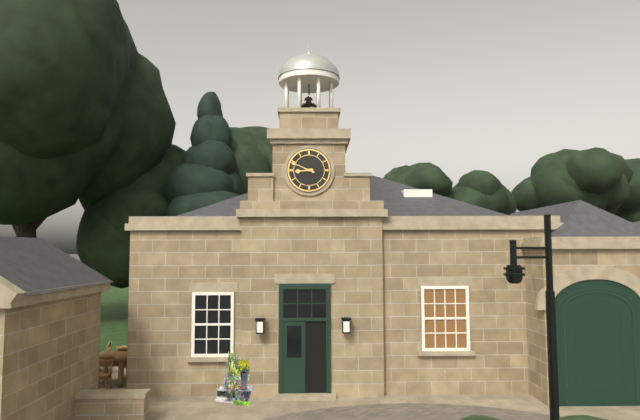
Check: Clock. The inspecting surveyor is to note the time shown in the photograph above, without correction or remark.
8:49
